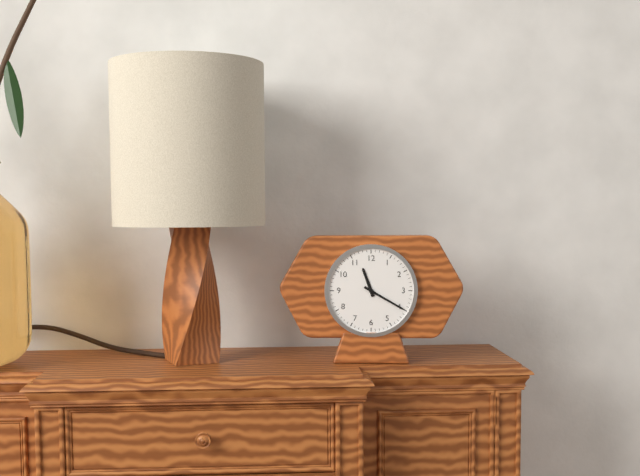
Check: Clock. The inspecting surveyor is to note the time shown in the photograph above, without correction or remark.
11:20
